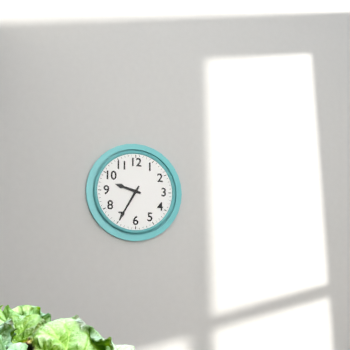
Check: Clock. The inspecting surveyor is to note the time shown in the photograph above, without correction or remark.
9:35
